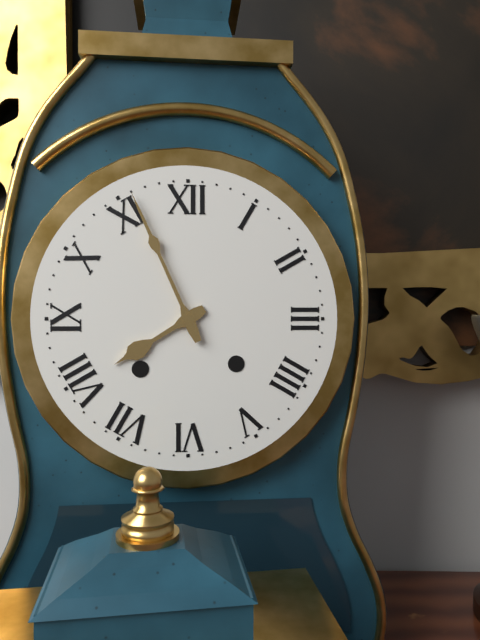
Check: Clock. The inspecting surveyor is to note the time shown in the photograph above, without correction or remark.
7:56
